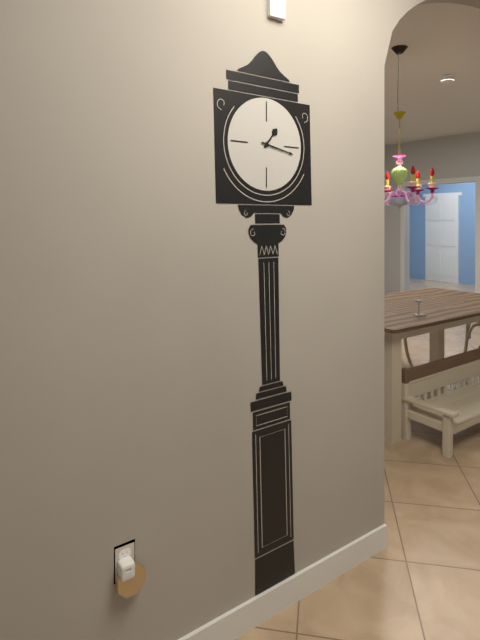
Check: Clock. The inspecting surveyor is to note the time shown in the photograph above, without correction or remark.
1:17
